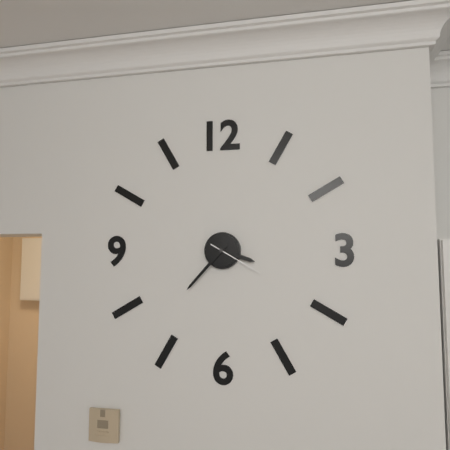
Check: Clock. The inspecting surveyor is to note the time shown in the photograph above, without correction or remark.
3:37:20
